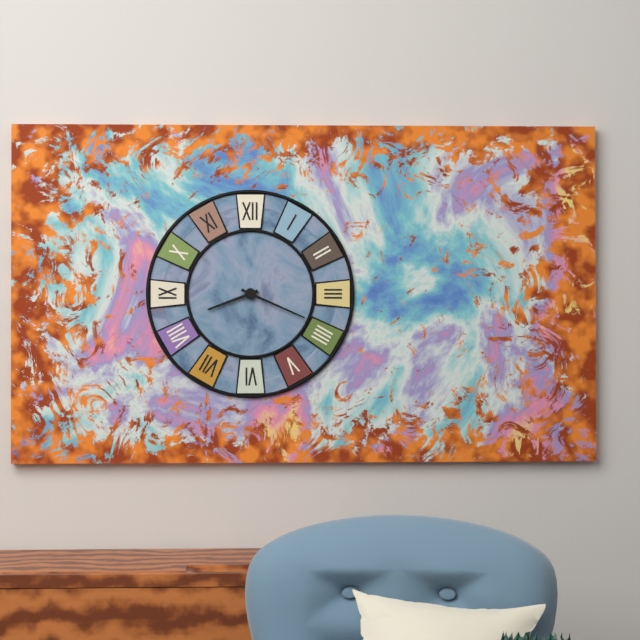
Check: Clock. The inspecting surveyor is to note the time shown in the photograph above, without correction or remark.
8:19
